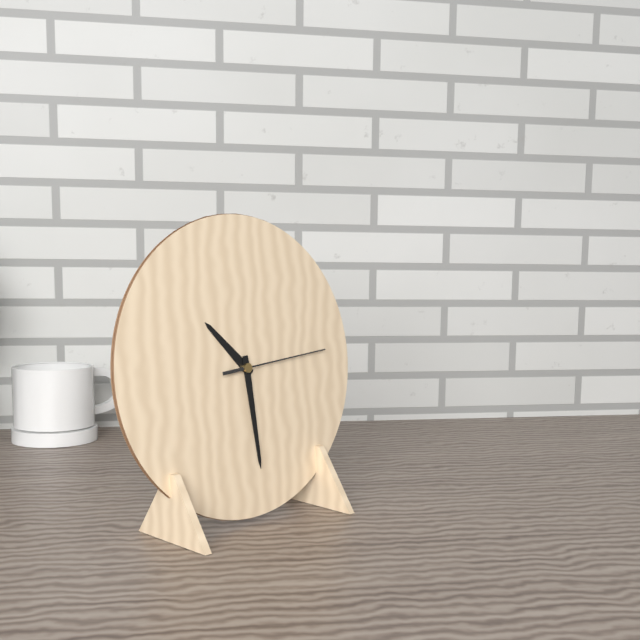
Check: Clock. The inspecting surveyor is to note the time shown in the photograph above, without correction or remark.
10:29:14
